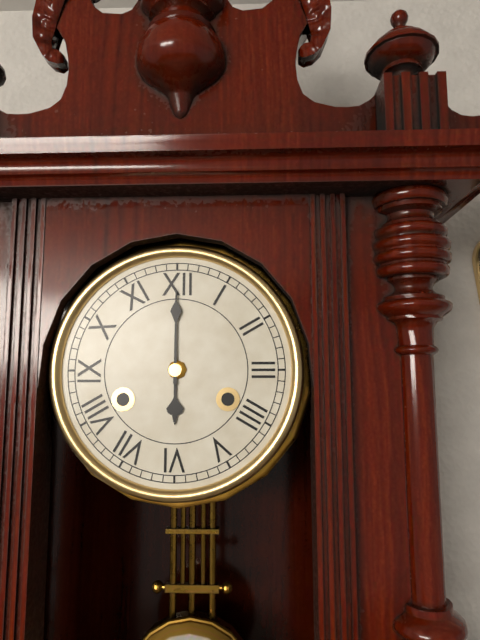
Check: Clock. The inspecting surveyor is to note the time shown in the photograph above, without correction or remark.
6:00
